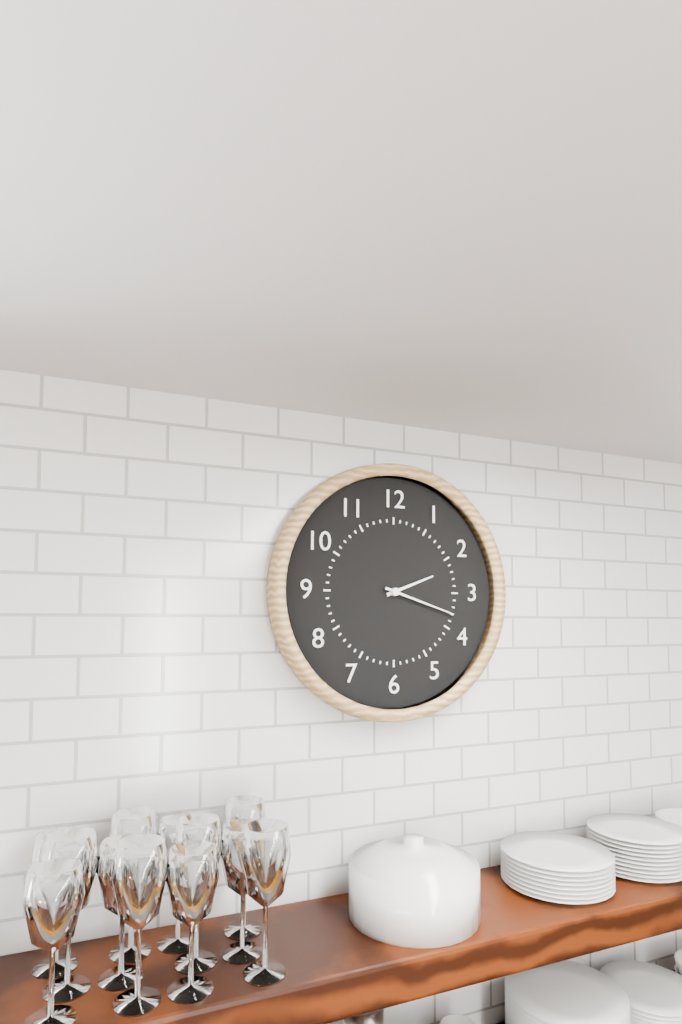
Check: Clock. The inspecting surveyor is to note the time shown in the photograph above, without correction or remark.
2:18
